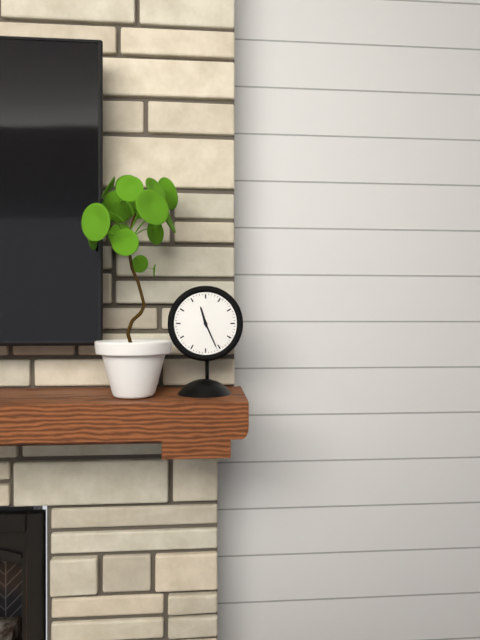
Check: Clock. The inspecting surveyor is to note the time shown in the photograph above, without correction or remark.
11:26
